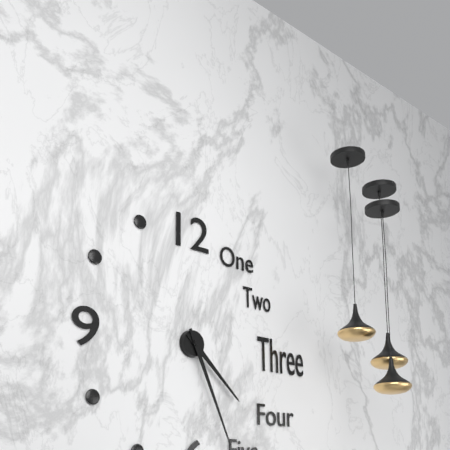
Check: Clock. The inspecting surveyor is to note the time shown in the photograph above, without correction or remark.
4:26
